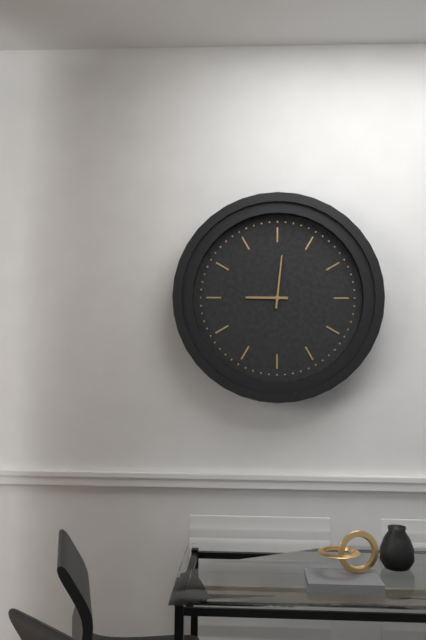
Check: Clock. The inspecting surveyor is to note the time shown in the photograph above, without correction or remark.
9:01
